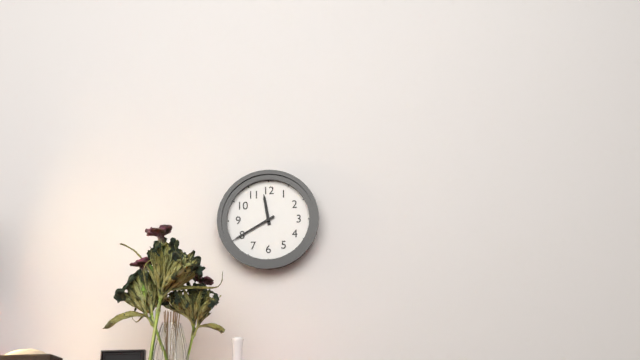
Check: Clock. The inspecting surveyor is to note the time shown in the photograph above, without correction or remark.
11:40
